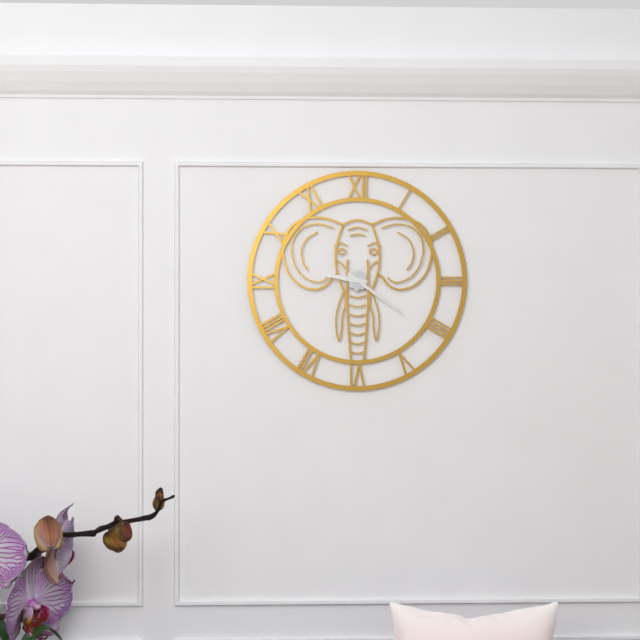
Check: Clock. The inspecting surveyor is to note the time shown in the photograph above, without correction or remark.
9:21
